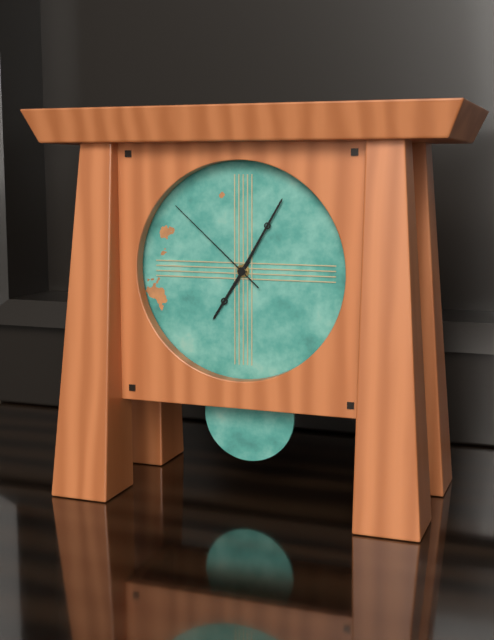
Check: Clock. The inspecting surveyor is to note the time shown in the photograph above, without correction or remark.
7:05:52
